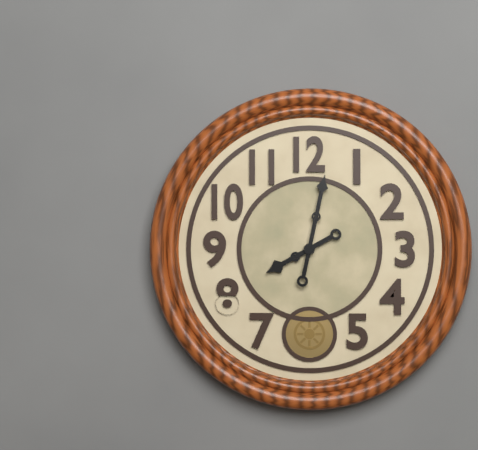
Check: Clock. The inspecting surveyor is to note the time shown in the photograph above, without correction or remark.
8:02
